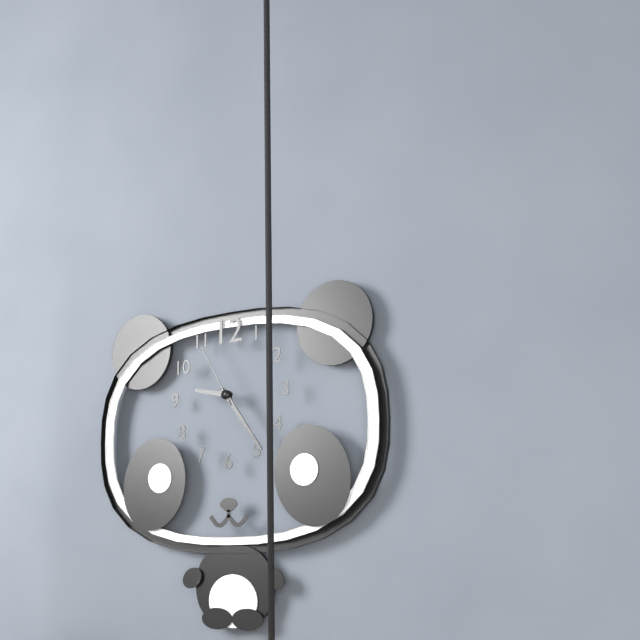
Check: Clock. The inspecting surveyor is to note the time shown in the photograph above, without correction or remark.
9:24:55
